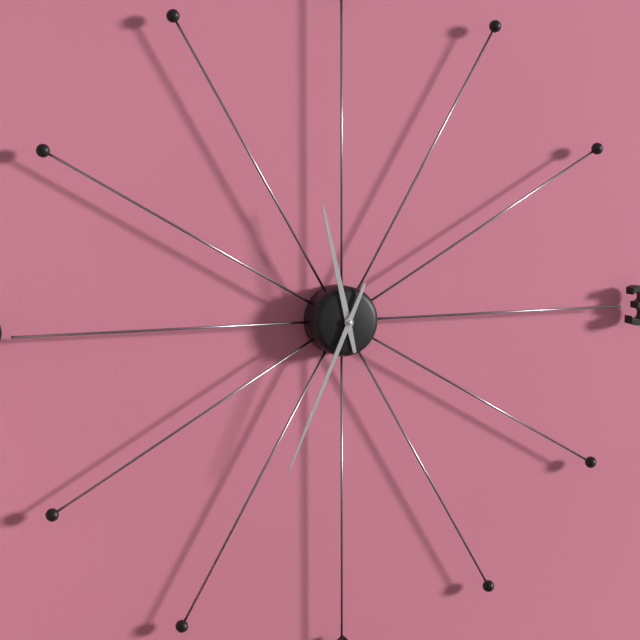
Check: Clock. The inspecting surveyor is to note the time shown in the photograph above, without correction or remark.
11:34
